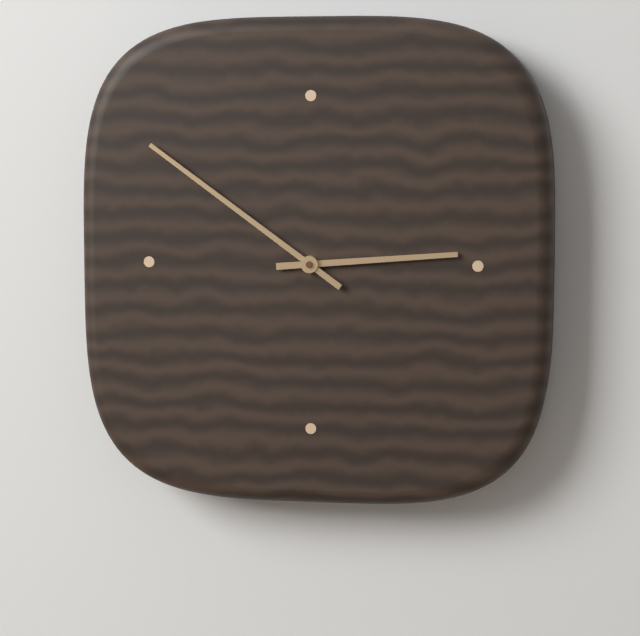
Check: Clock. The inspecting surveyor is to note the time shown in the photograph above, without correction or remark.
2:51
